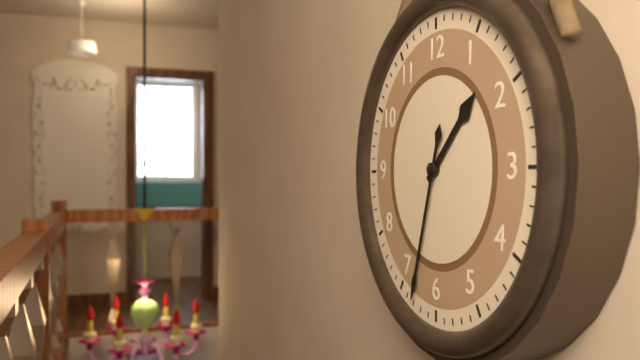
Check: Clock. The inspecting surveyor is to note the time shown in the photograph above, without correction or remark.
1:33
